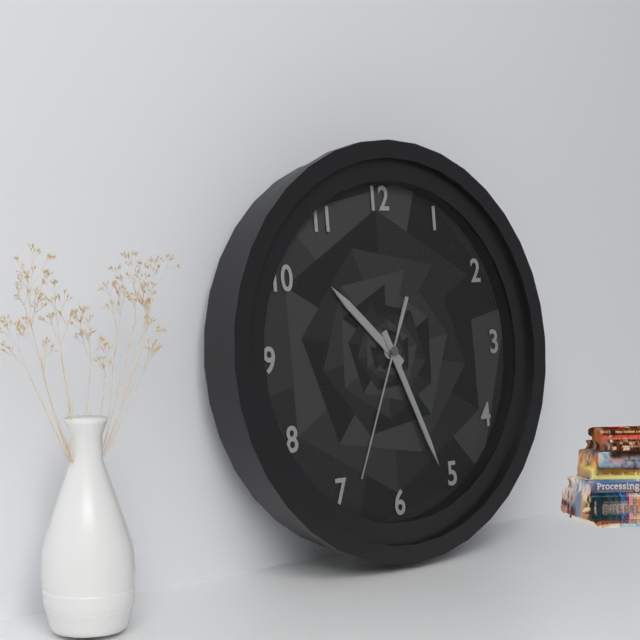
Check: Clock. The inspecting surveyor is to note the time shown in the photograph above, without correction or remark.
10:26:34
